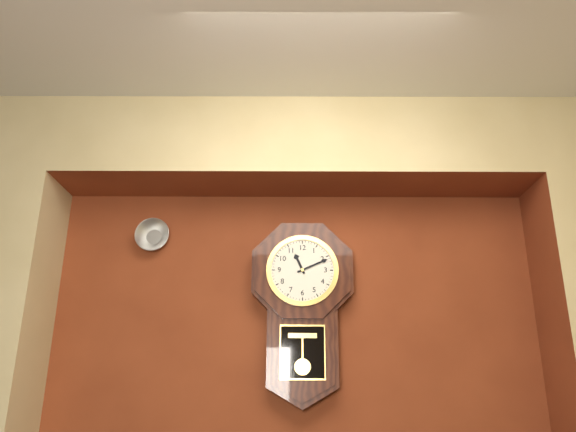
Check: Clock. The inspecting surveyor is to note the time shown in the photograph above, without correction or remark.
11:11
